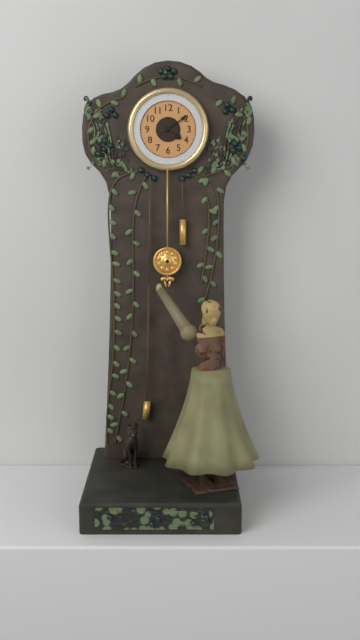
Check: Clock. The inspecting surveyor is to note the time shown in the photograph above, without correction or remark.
4:09
